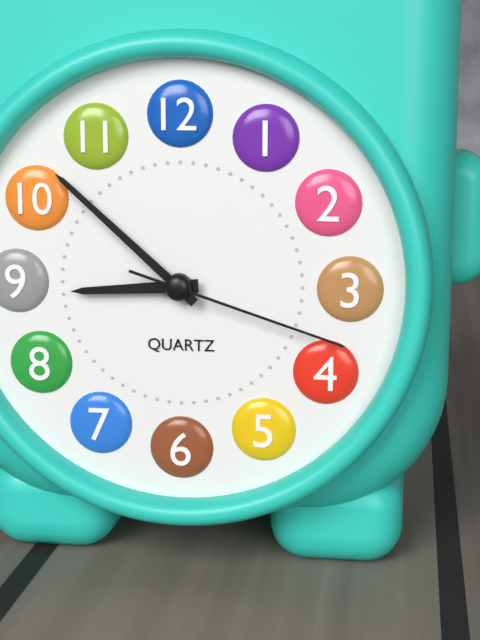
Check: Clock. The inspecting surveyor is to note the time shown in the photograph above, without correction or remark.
8:52:18
